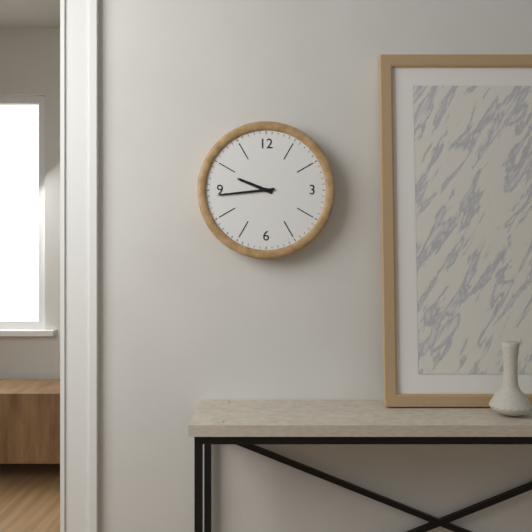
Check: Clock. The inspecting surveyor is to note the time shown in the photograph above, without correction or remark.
9:44
